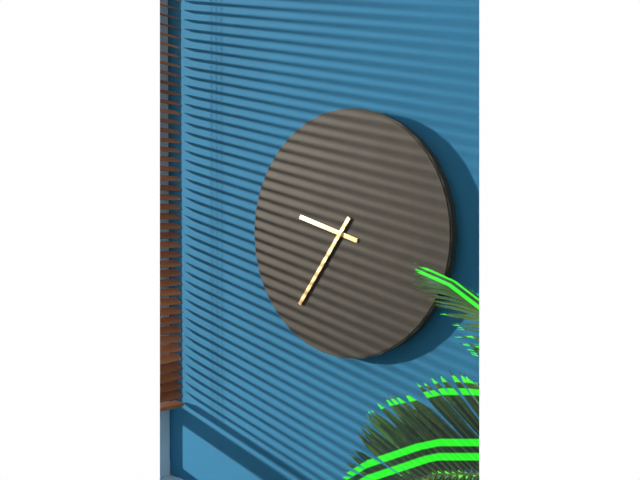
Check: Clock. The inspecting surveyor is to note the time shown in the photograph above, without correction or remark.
9:36
